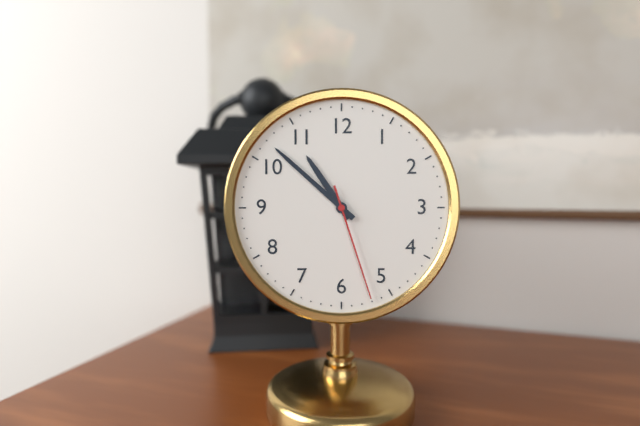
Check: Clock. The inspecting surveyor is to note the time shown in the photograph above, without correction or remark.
10:52:27
